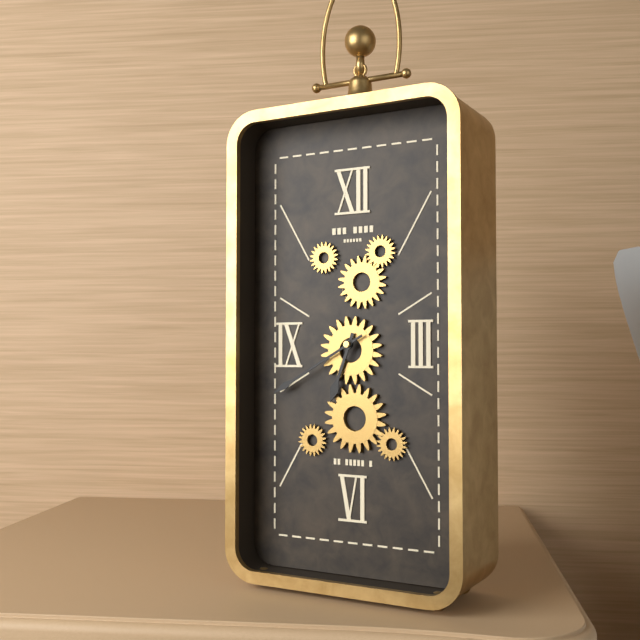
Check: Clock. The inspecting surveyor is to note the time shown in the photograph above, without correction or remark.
6:40
